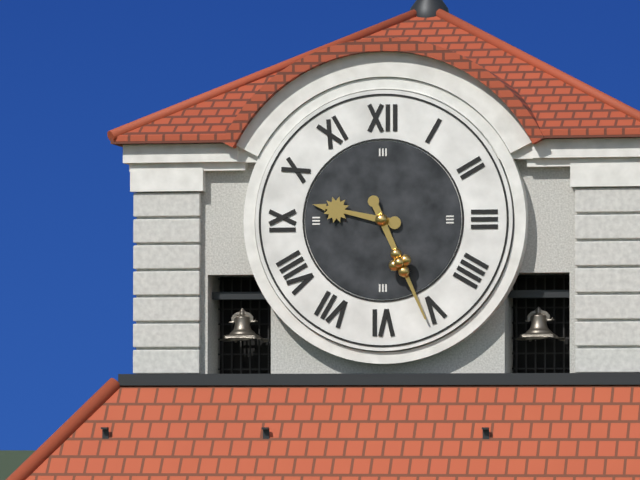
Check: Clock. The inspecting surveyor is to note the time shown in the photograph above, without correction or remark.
9:26
